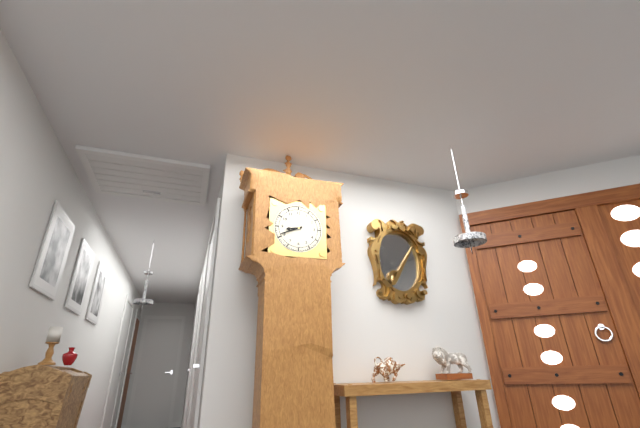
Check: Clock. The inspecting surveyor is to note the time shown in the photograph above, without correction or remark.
8:41
